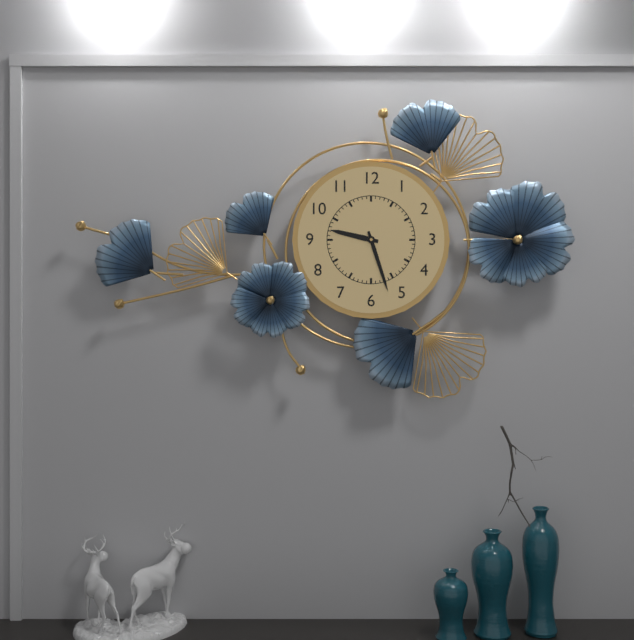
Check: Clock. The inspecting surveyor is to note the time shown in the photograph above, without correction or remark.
9:27
